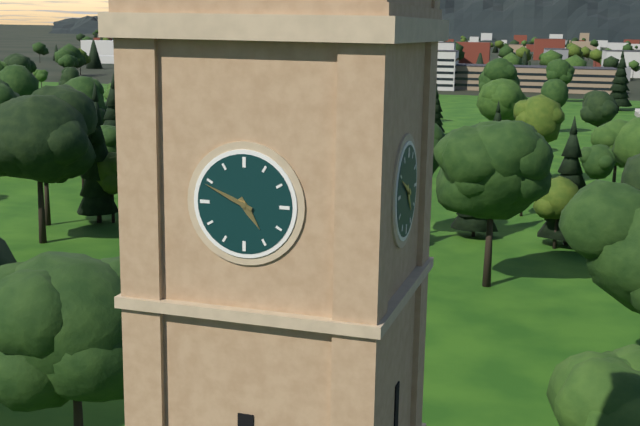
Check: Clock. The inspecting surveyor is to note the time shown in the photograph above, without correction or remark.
4:49
